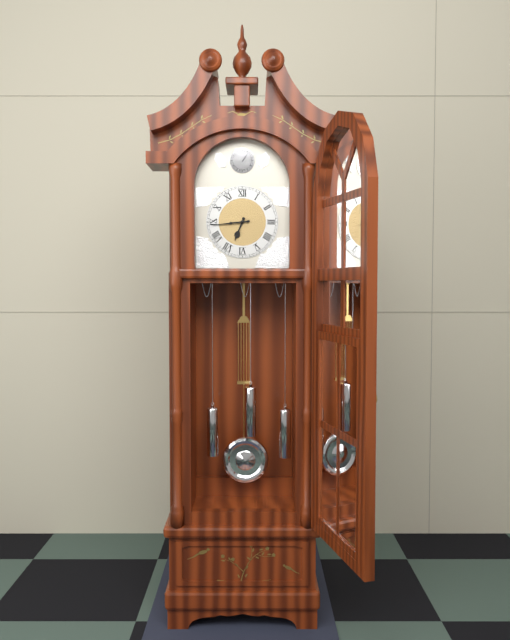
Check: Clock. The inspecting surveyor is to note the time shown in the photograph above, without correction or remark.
6:44
